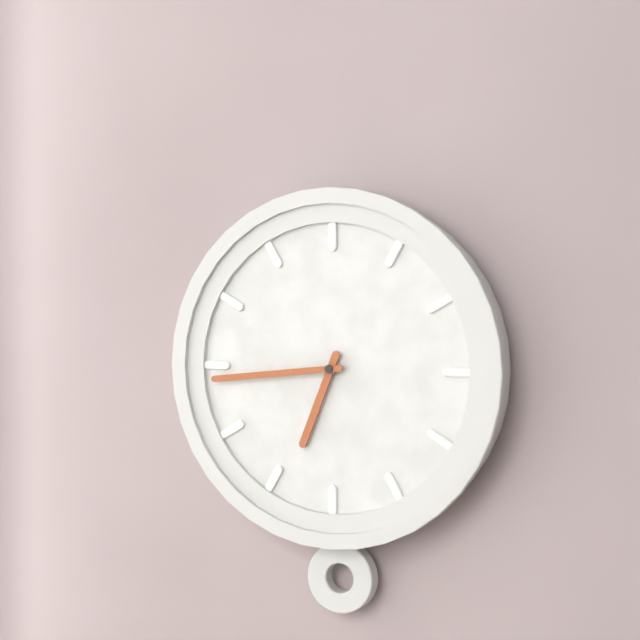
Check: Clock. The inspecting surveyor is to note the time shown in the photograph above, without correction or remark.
6:44
